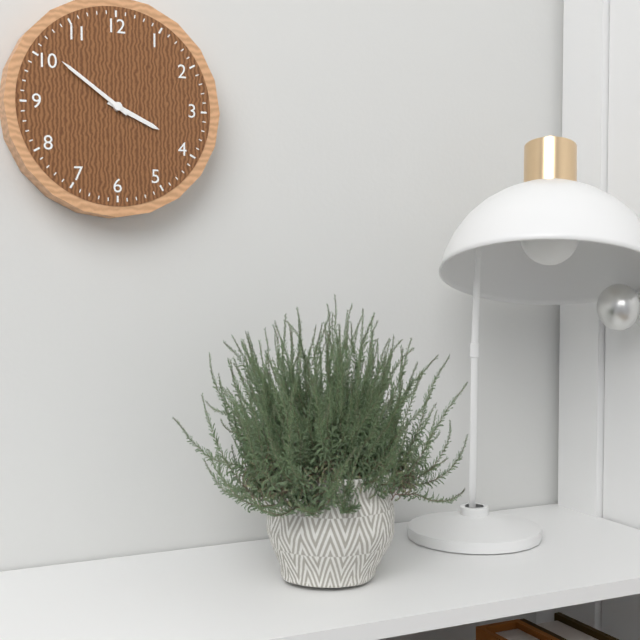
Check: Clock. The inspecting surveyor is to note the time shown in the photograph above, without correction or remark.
3:51
